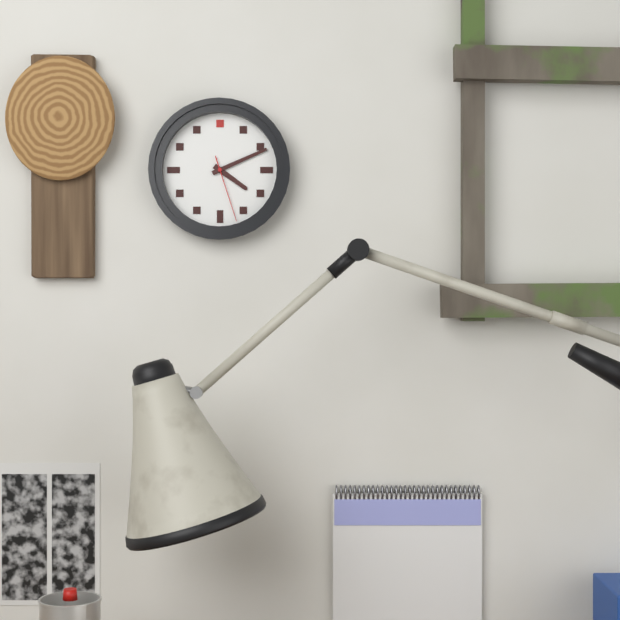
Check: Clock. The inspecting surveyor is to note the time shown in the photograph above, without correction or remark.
4:11:27
